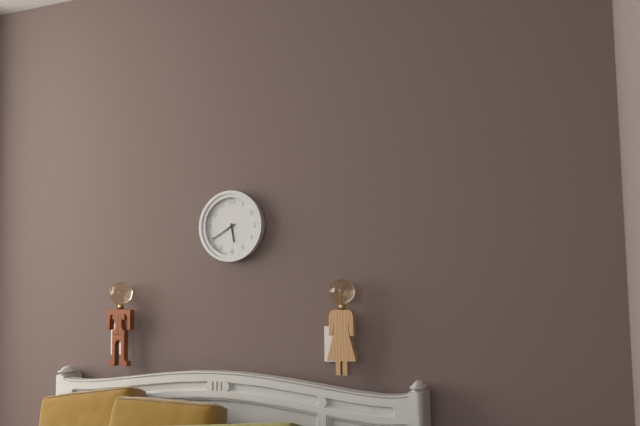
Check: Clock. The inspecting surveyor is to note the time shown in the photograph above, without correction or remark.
5:40
